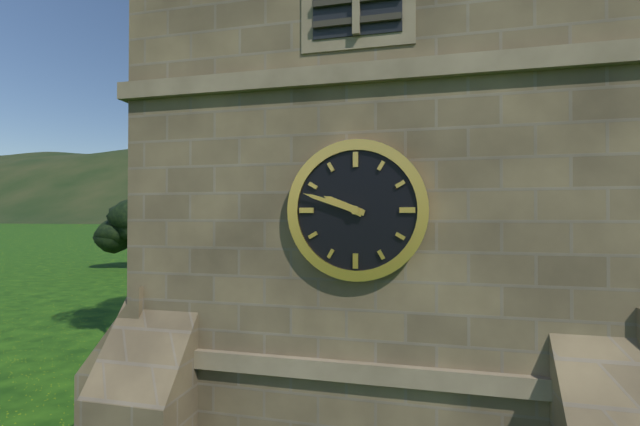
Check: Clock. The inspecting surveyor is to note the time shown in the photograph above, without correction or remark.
9:48
